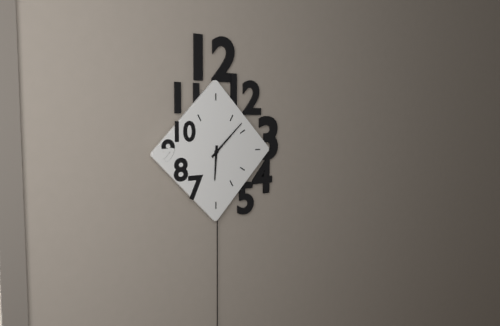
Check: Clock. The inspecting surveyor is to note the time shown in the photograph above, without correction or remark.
6:08
